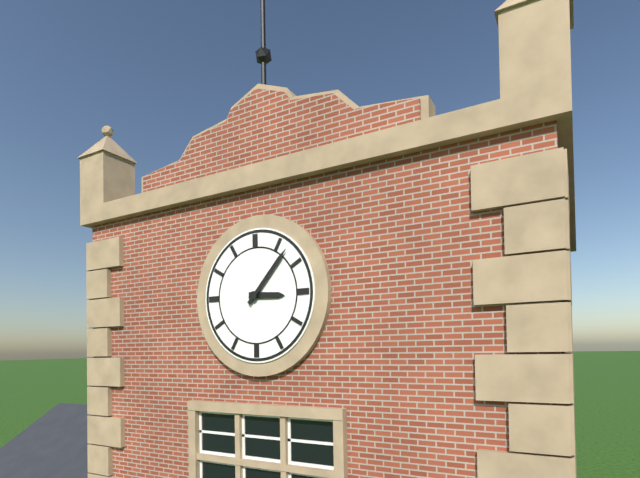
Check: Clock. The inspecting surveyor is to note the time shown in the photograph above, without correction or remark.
3:07
